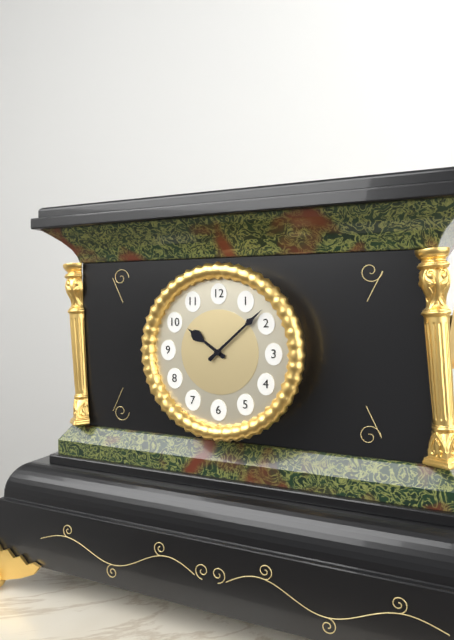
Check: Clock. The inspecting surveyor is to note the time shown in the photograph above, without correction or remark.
10:08
